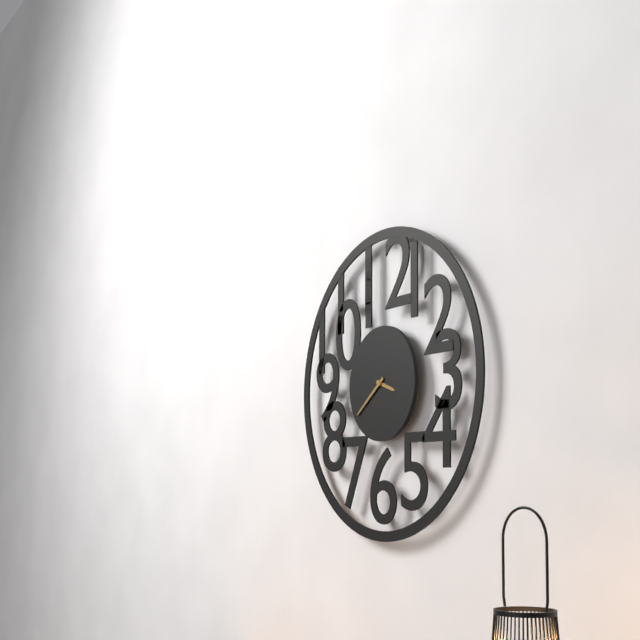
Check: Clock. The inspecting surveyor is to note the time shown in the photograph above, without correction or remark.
3:39
